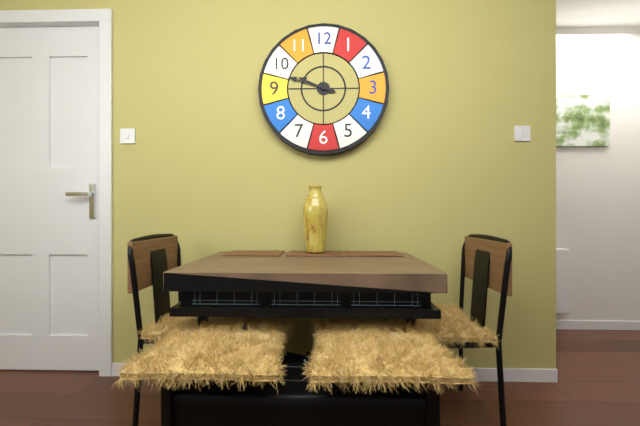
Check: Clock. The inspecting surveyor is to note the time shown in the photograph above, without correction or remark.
9:48
